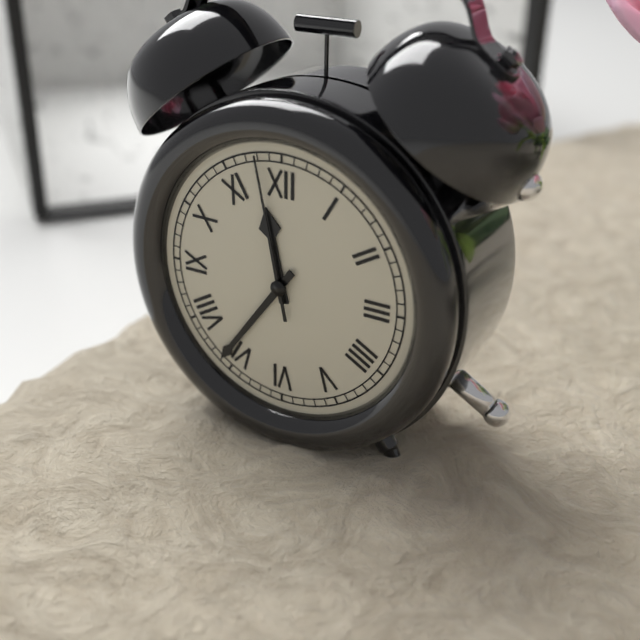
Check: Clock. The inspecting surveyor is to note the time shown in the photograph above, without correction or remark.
11:36:58
